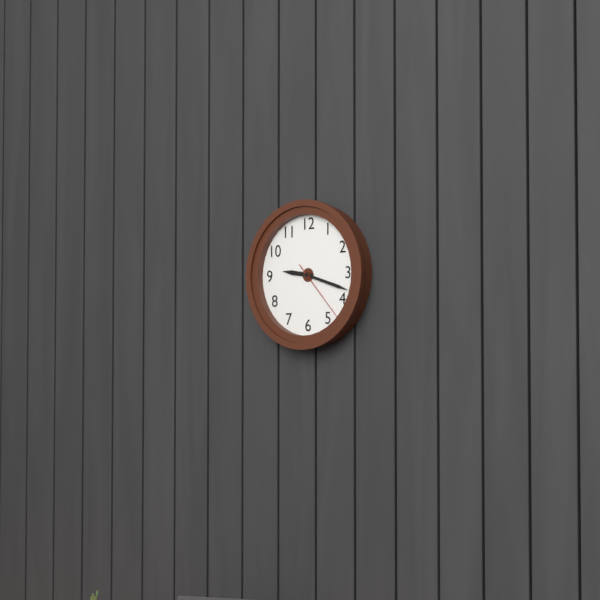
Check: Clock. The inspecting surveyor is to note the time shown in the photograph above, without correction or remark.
9:18:23
